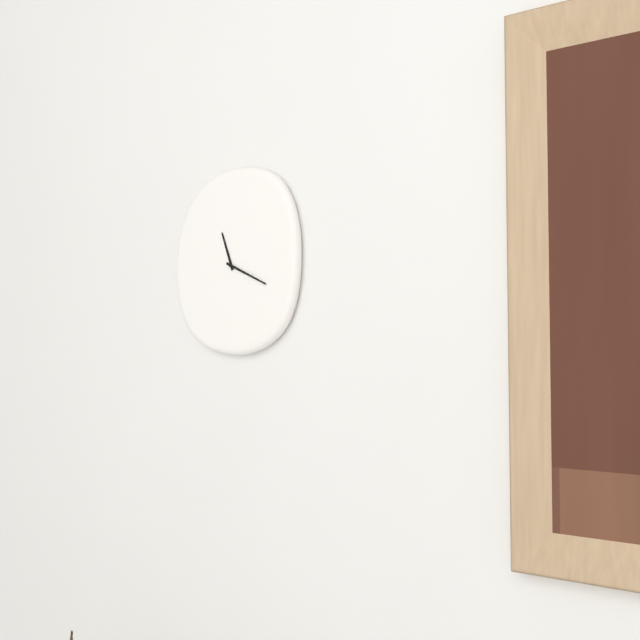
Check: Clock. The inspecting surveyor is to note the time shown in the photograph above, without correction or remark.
11:19
